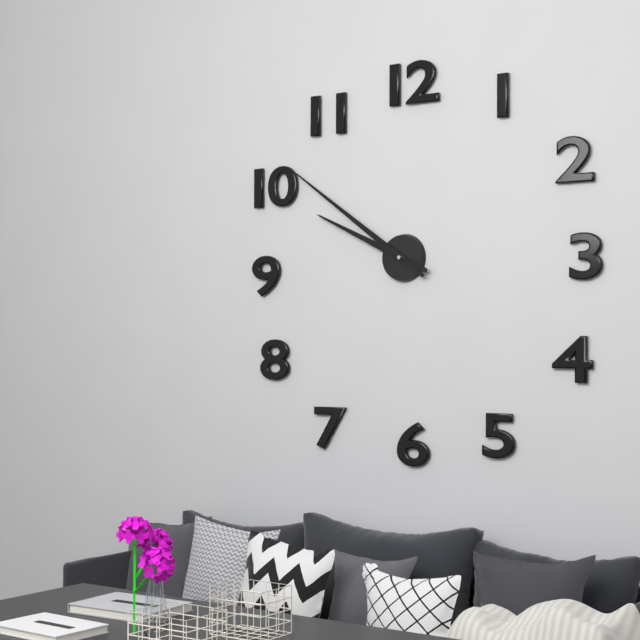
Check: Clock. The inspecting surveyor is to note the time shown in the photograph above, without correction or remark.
9:51
